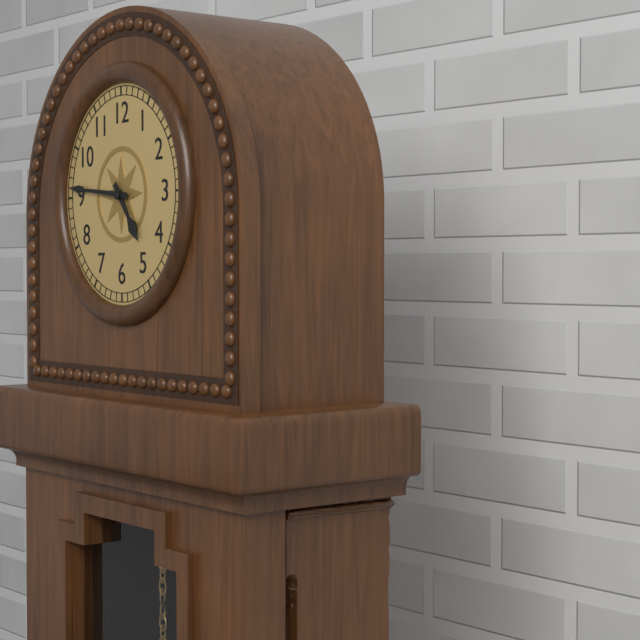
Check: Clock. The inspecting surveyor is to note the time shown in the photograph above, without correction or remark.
4:46
